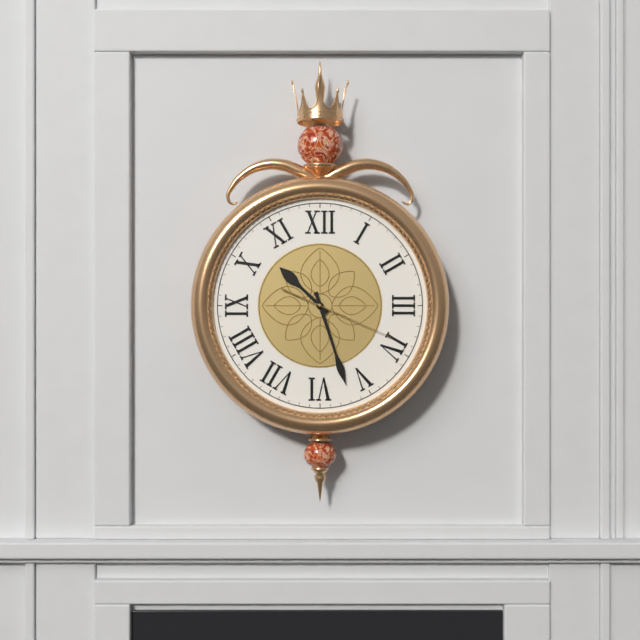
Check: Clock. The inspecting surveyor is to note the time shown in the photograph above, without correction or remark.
10:27:19
